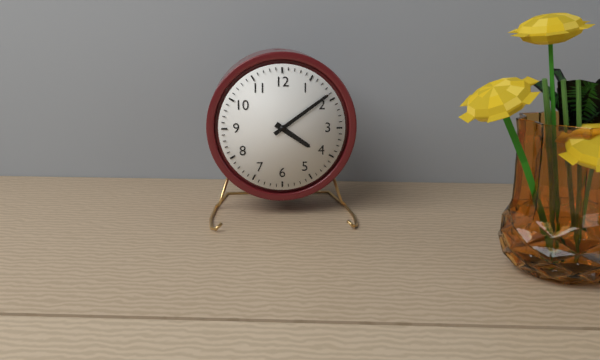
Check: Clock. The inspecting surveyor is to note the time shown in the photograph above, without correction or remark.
4:09
